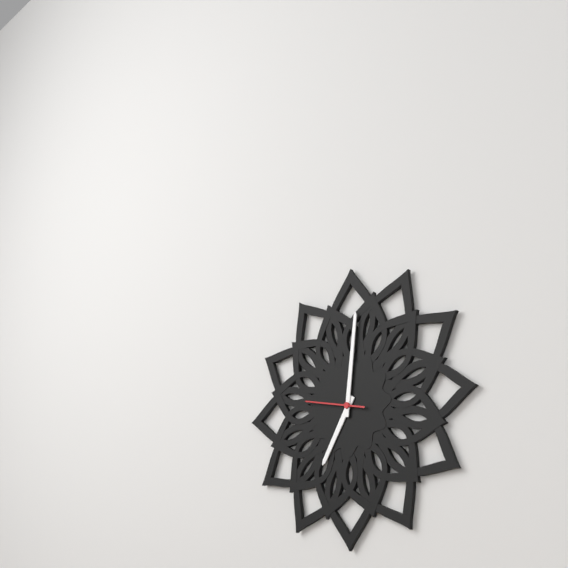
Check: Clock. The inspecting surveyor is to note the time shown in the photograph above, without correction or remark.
7:01:47
